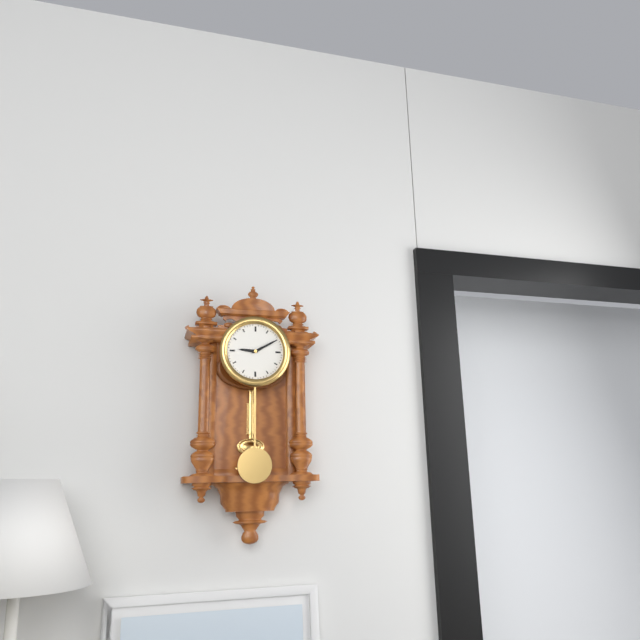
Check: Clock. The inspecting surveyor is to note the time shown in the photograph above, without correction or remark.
9:10
